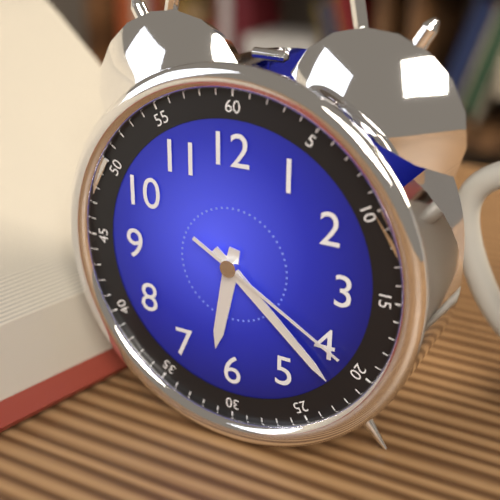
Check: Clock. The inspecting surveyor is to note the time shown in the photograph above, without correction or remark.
6:22:20
